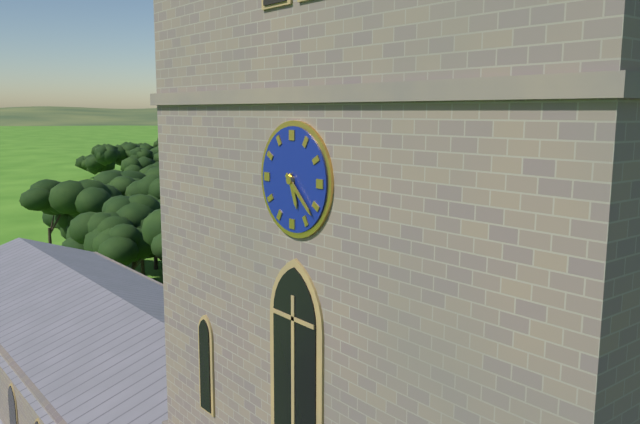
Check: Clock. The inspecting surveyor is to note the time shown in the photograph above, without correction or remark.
5:22
